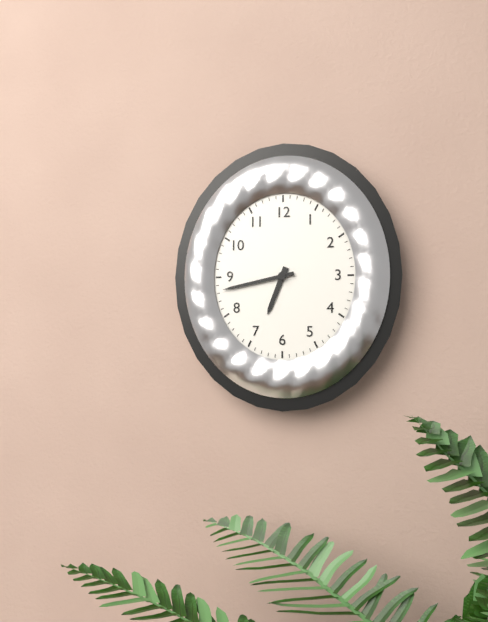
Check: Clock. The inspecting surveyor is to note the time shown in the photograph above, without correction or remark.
6:43
